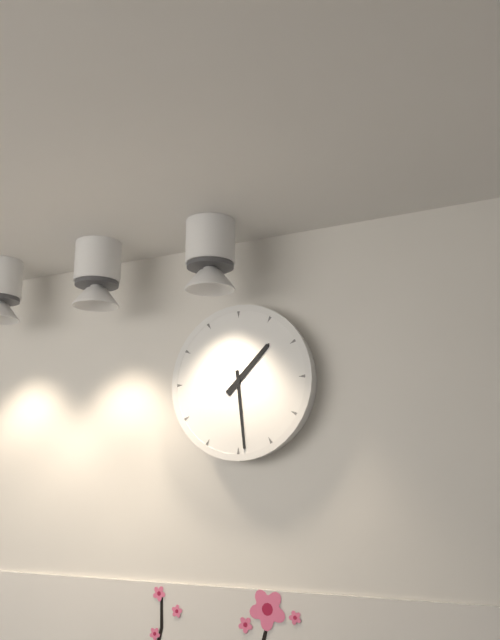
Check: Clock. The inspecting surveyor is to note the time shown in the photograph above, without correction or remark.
1:29
